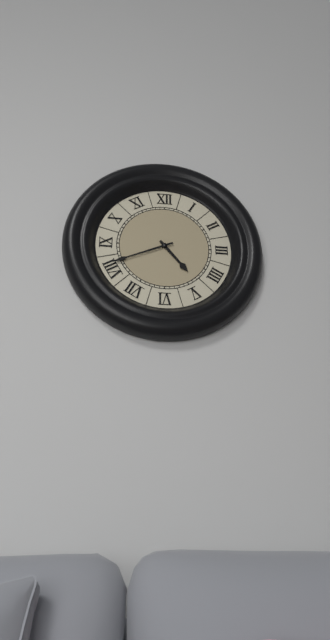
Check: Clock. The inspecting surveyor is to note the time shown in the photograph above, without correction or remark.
4:41
